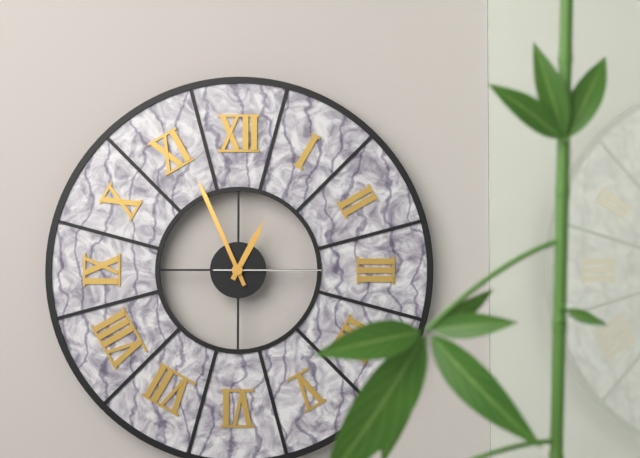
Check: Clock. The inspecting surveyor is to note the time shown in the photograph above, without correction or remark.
12:56:15
